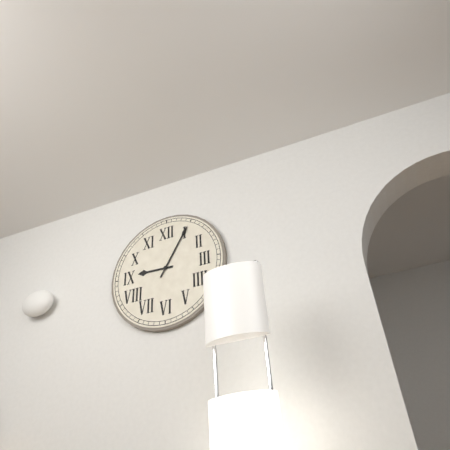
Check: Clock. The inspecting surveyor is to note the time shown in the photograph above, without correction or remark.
9:05
